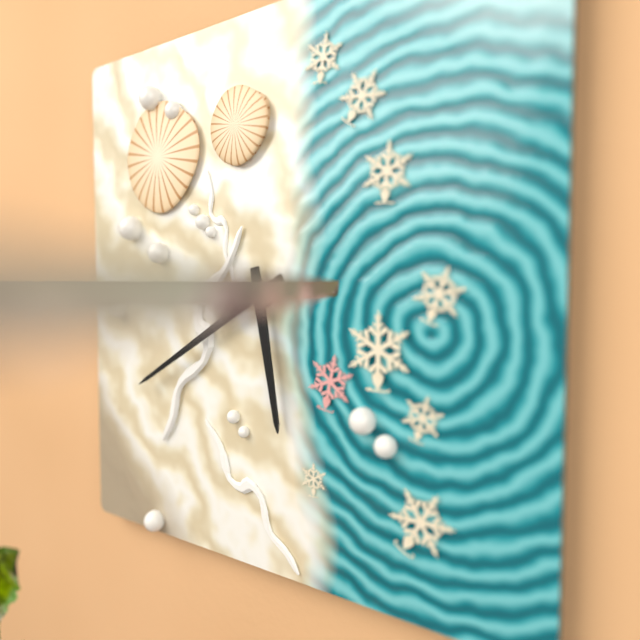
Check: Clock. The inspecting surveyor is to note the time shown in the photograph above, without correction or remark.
5:40
